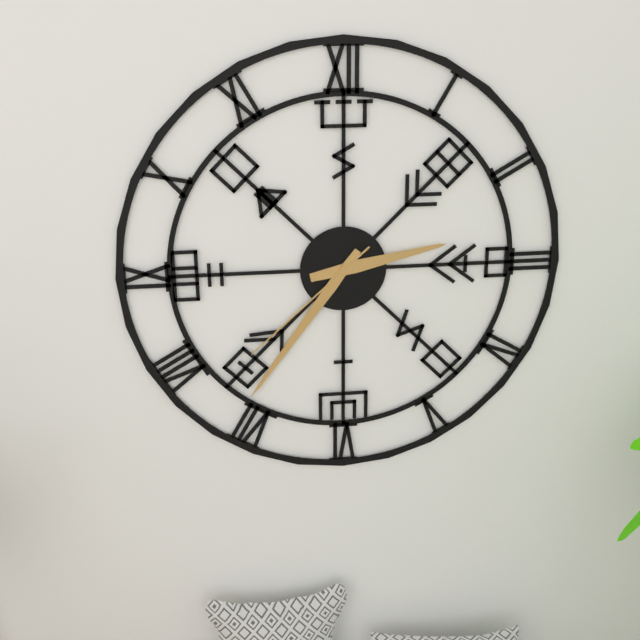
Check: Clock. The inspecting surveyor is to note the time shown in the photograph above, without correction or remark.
2:36:38
